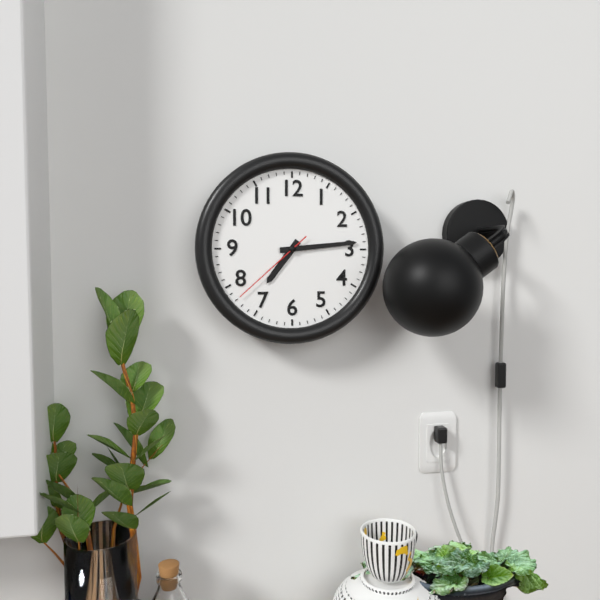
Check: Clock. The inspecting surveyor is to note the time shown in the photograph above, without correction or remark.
7:14:38
